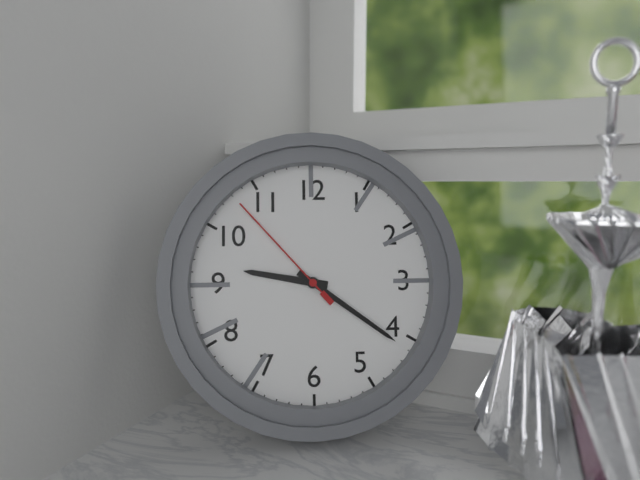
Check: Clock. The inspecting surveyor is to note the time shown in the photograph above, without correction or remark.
9:21:53
